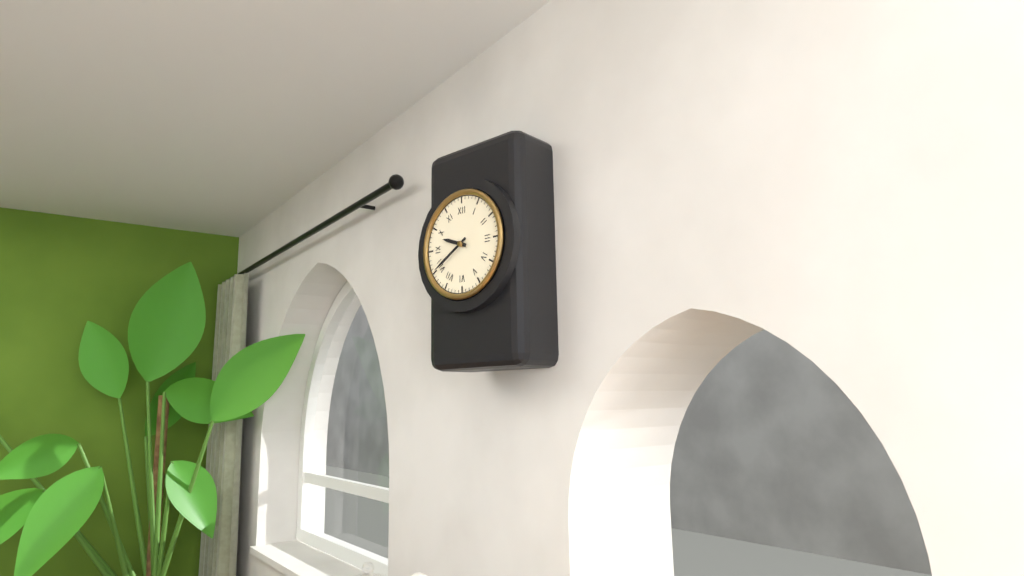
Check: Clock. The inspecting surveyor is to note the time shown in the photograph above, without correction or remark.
9:40
